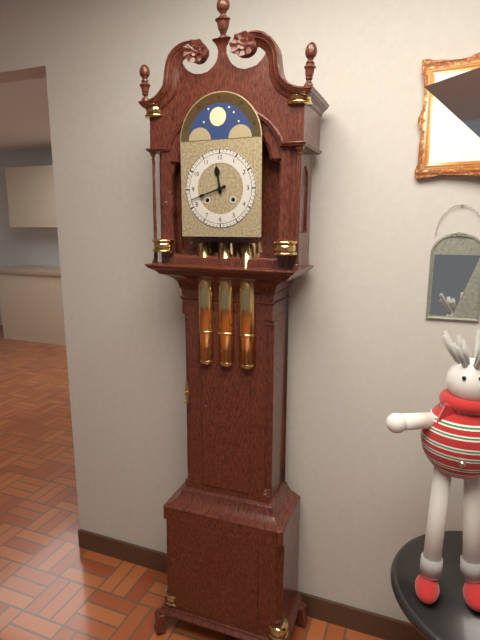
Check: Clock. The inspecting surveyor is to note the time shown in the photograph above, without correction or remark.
11:42
